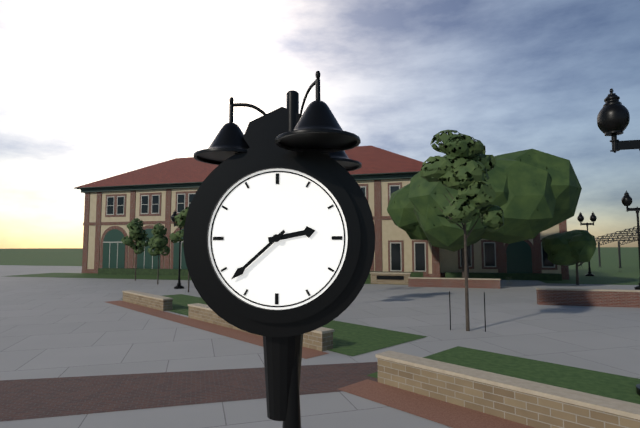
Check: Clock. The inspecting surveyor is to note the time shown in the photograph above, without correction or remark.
2:38
